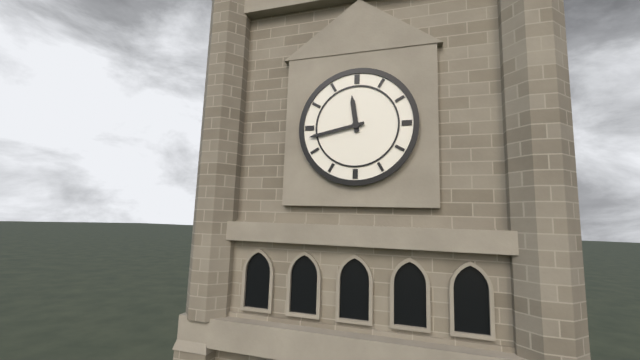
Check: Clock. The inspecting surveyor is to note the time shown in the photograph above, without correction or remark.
11:43
